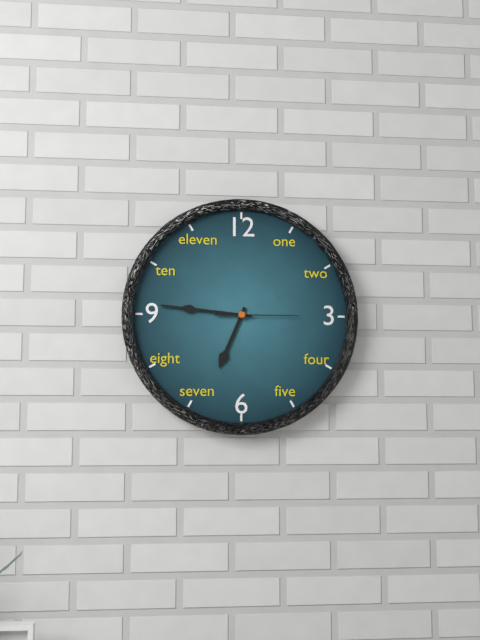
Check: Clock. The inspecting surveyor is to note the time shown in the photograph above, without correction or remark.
6:46:15
